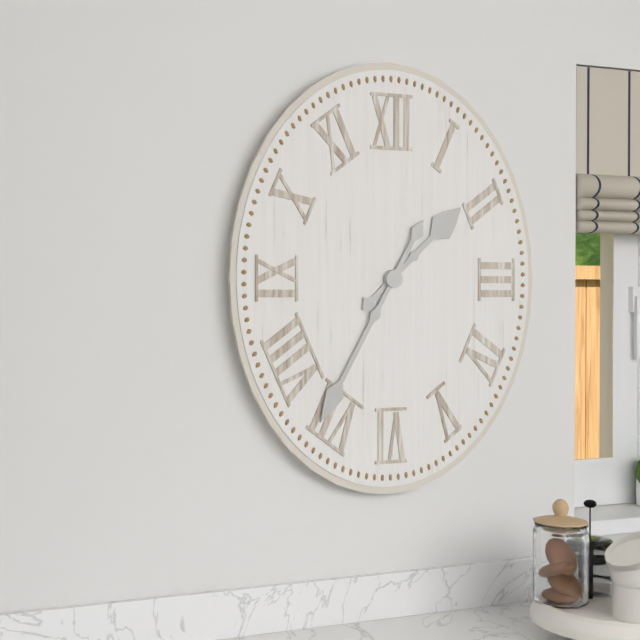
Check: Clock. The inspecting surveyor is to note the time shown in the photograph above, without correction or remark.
1:35
